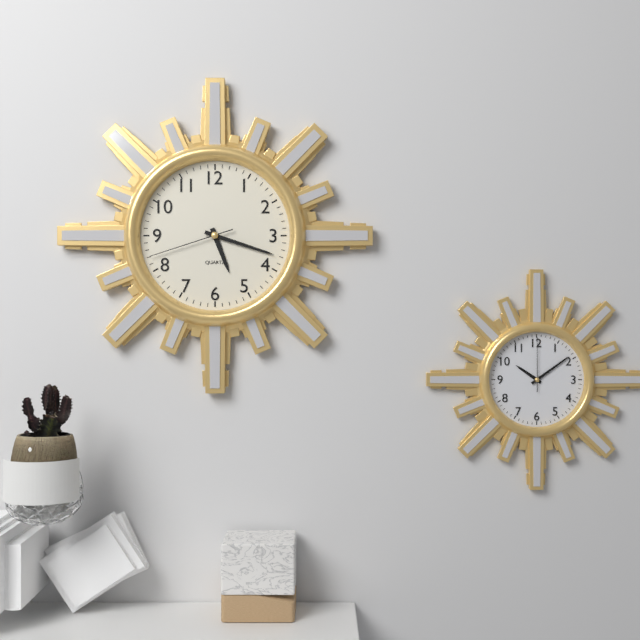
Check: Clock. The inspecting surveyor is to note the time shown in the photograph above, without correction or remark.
5:18:42
